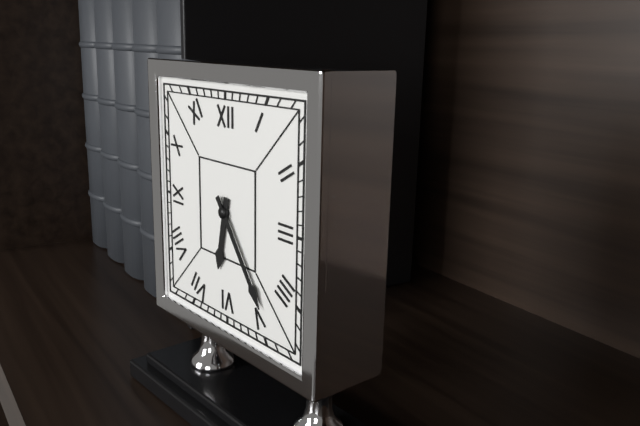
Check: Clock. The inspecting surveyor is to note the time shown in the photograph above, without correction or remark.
6:24
